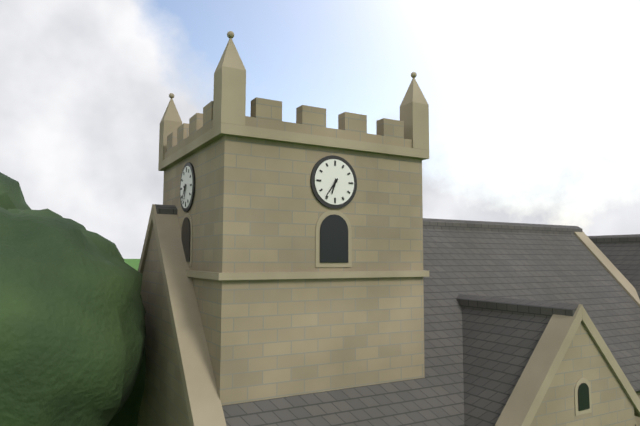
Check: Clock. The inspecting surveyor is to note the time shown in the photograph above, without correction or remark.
6:36
